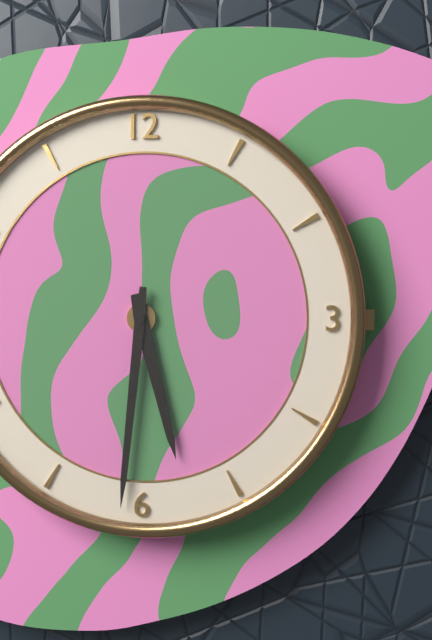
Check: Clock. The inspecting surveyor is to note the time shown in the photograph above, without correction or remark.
5:31
